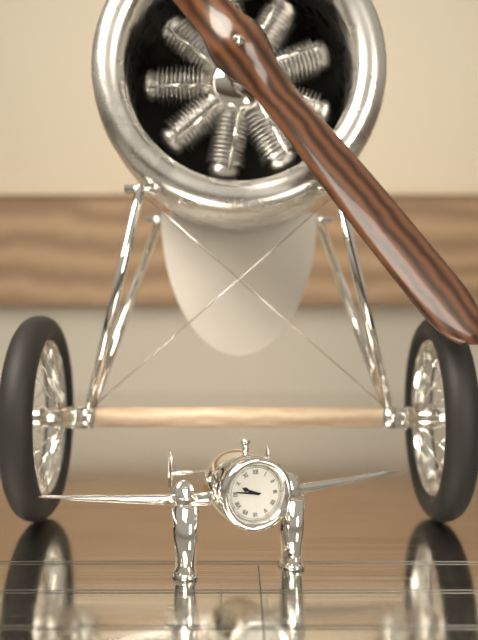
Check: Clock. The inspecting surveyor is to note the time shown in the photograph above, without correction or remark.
9:46
